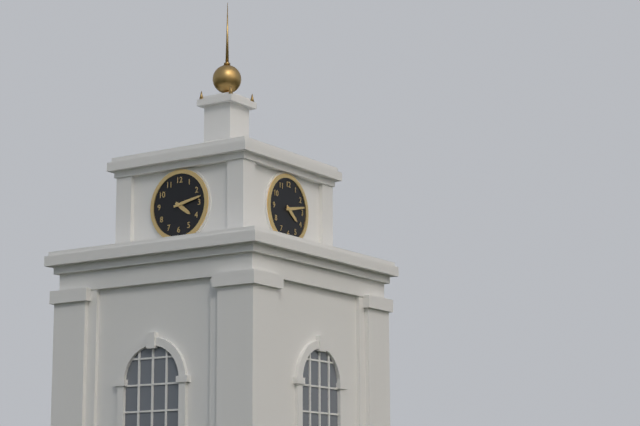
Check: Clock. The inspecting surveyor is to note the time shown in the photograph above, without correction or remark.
4:13
